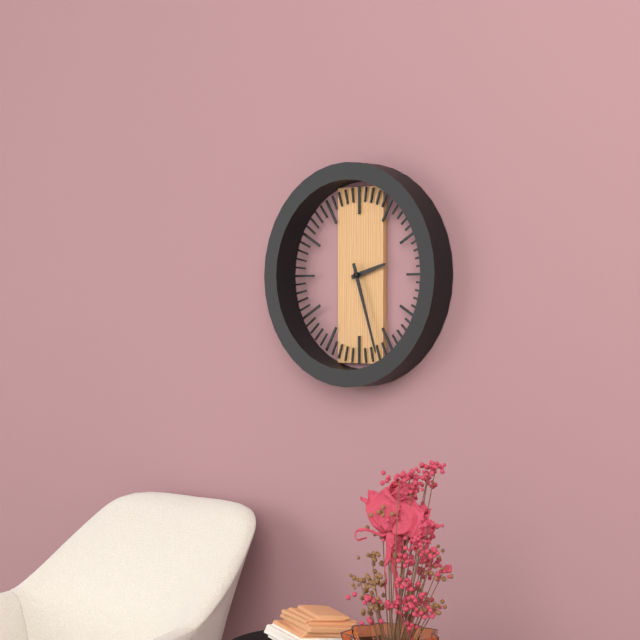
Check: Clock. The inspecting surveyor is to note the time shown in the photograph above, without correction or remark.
2:27
